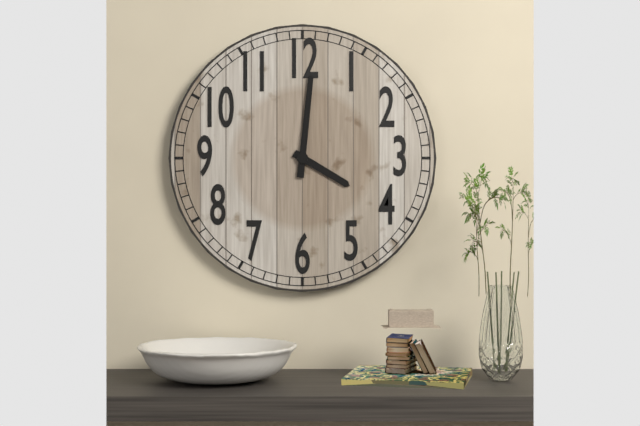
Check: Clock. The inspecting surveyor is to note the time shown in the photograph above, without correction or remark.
4:01
